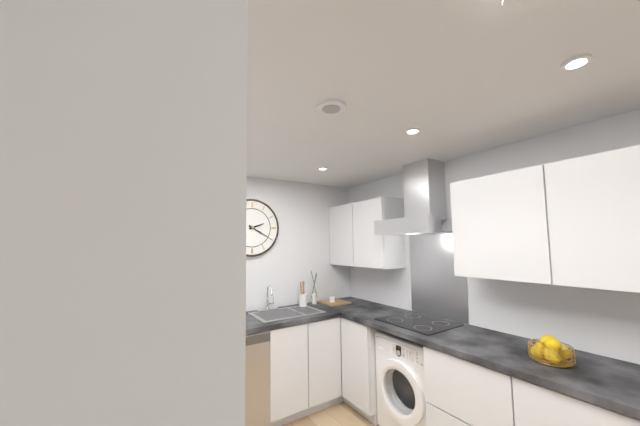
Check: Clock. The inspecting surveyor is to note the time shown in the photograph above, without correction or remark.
2:20
